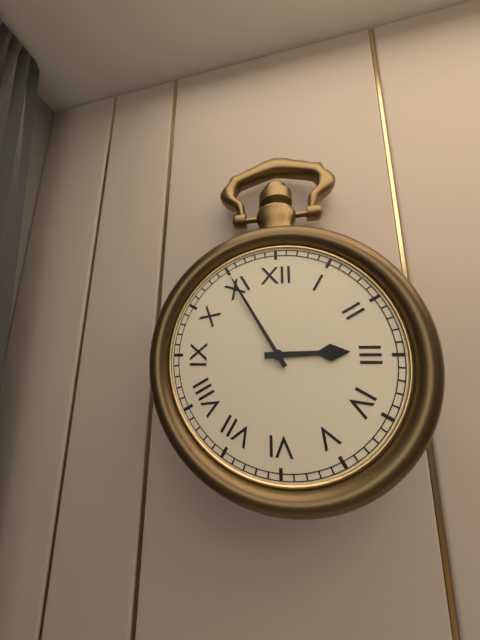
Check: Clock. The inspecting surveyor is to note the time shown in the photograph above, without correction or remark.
2:55
